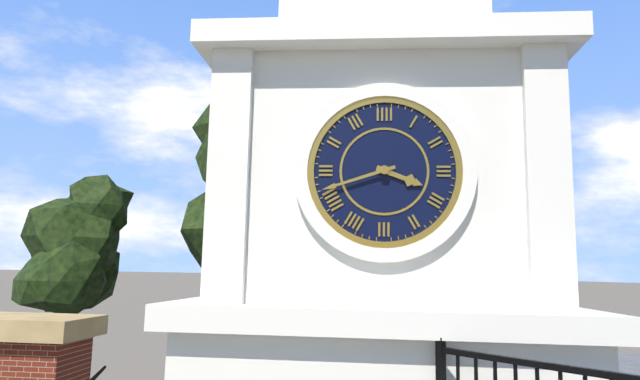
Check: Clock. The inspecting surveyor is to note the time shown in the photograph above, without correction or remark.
3:42
